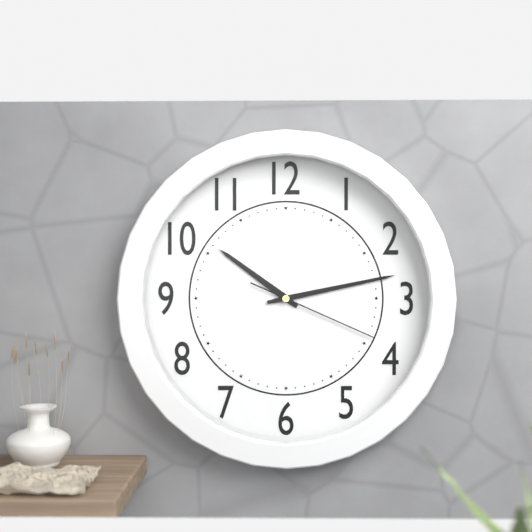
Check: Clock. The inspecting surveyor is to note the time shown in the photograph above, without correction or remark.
10:13:19
